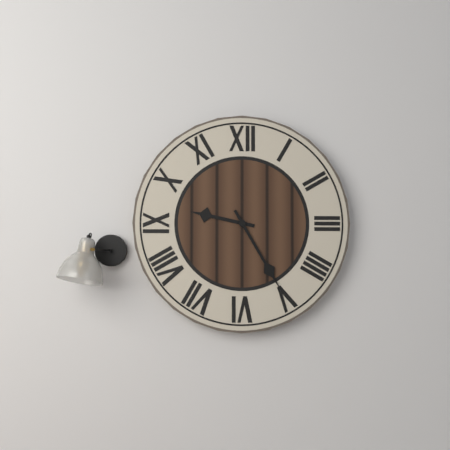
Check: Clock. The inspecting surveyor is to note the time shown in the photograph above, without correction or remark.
9:25
